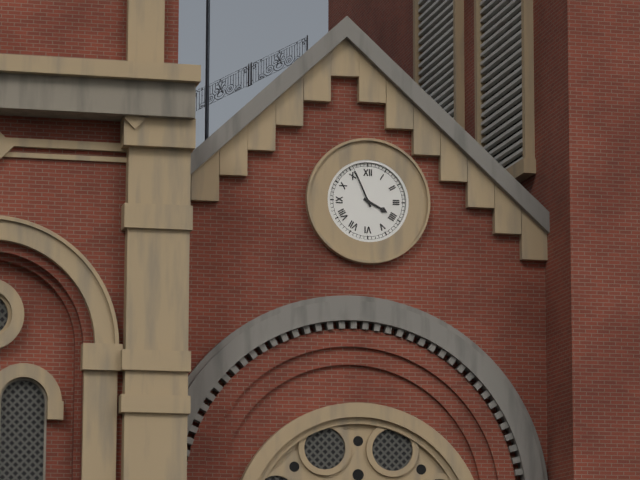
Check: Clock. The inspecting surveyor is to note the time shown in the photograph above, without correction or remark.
3:56
